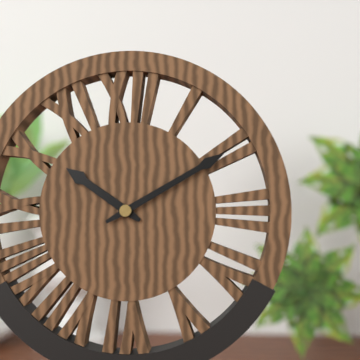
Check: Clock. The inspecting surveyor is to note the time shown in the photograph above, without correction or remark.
10:10
